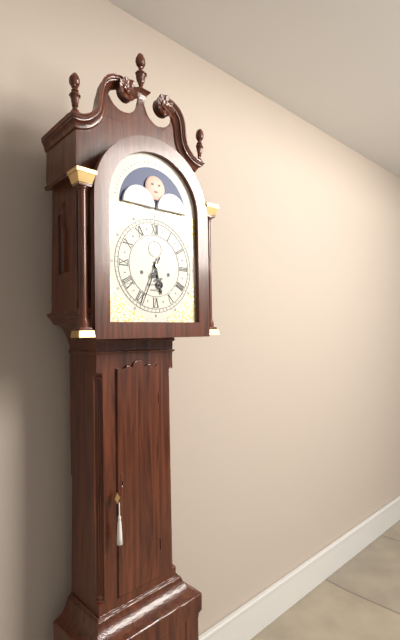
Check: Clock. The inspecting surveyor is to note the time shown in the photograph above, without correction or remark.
5:34
